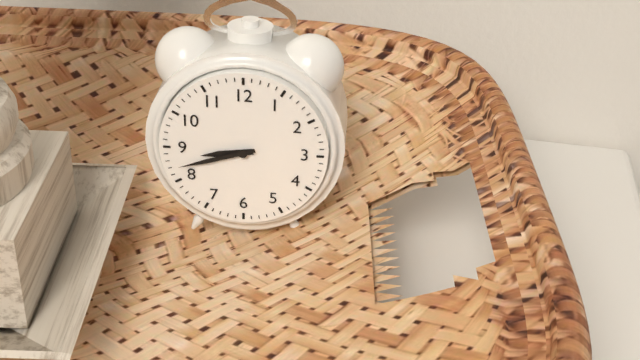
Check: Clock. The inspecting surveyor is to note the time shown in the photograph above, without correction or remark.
8:42
